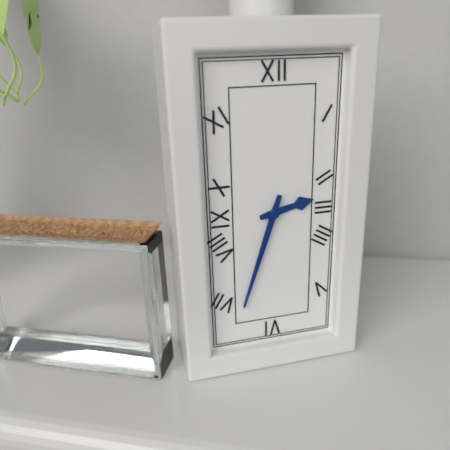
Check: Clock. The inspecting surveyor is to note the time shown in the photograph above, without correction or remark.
2:33
